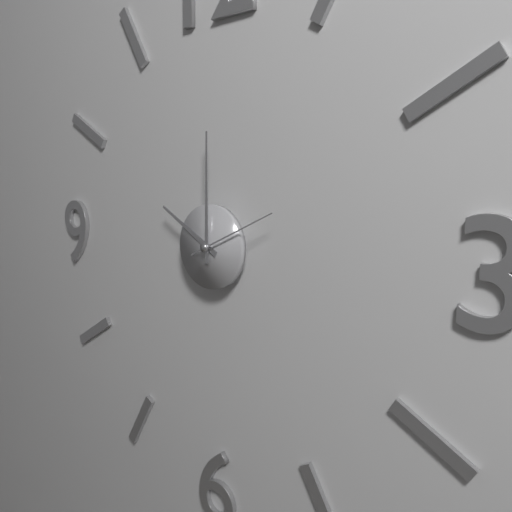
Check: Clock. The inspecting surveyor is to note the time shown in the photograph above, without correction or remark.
10:00:11
